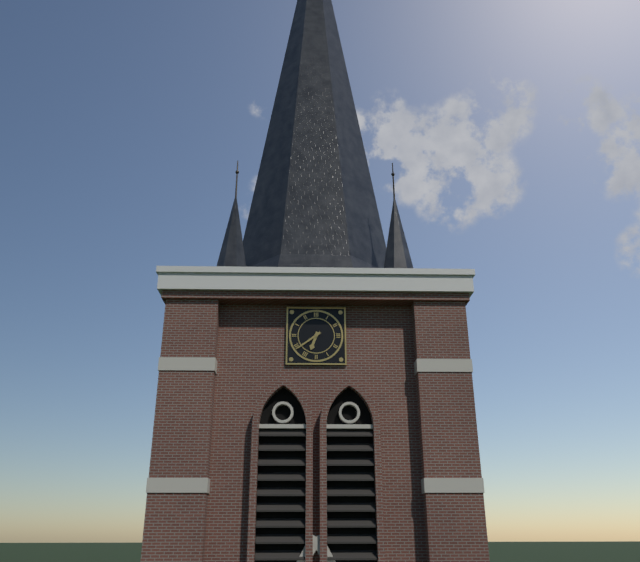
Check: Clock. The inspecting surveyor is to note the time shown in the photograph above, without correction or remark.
6:39
